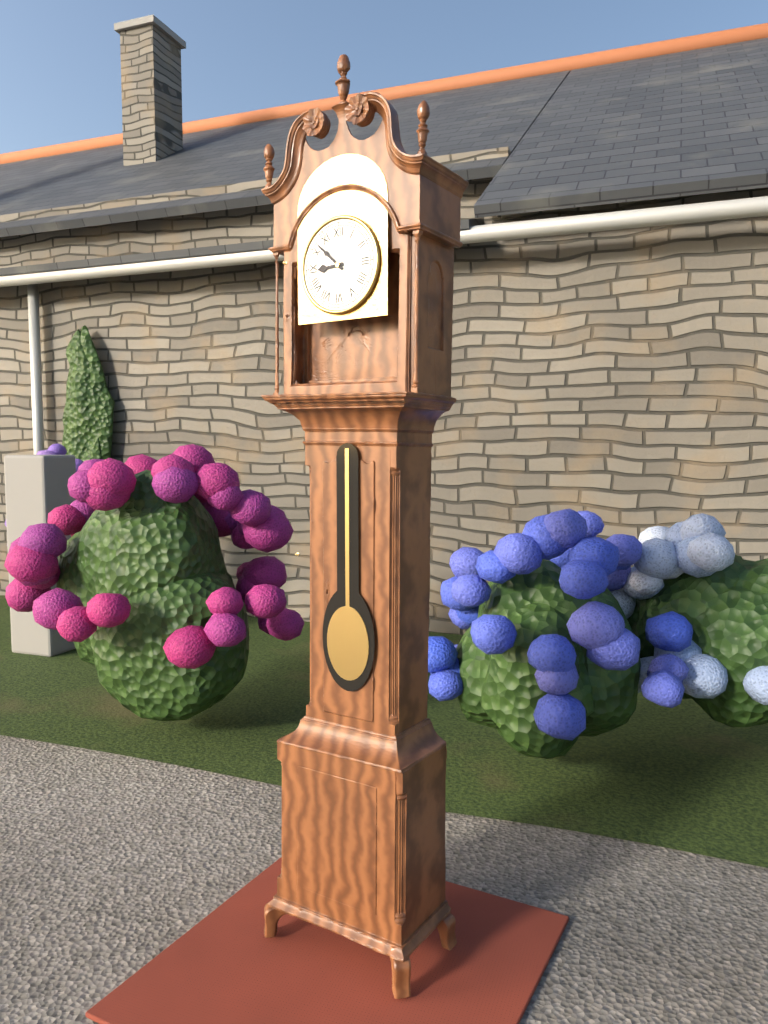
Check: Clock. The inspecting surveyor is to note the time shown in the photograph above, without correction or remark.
8:52
